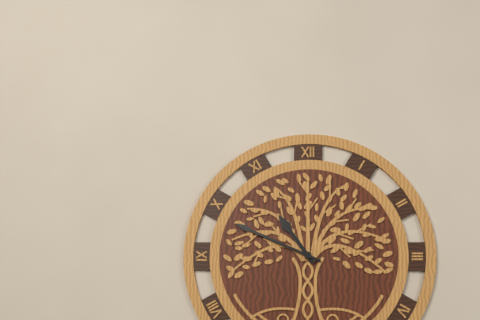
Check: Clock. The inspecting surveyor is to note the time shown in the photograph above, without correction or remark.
10:49
